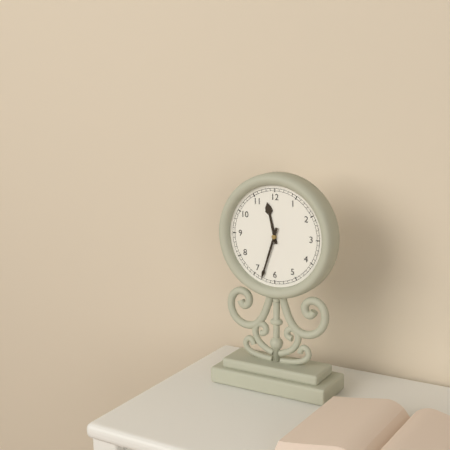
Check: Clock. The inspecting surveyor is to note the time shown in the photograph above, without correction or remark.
11:33
